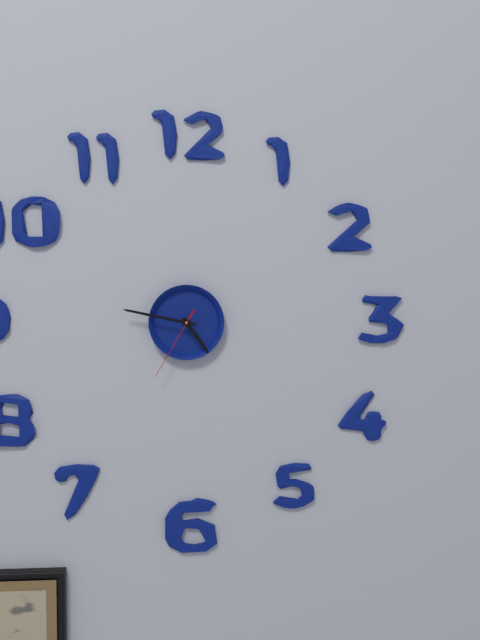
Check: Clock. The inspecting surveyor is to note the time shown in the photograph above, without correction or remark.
4:47:35
